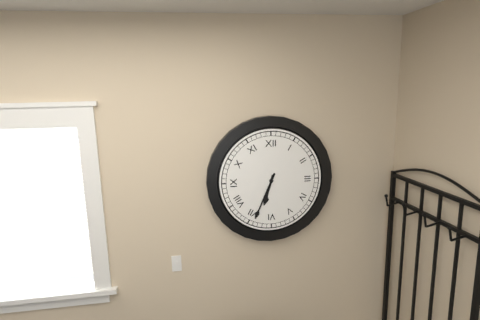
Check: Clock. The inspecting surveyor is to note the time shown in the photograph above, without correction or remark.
6:34
